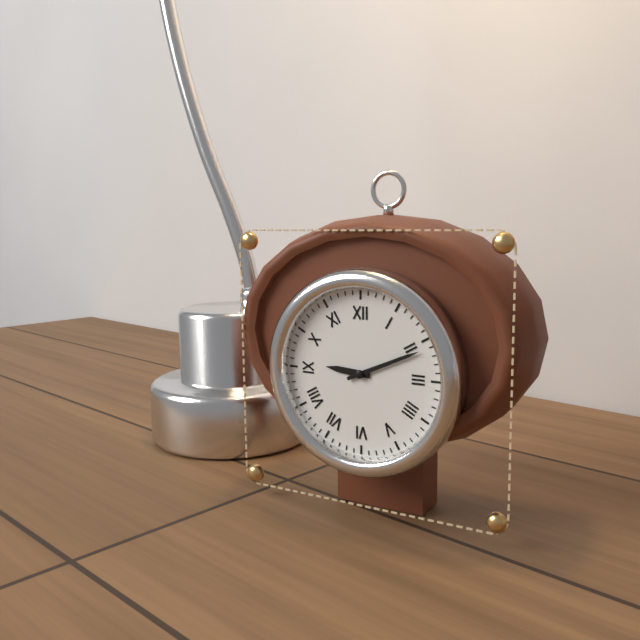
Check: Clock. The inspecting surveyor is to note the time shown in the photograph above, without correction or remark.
9:11
